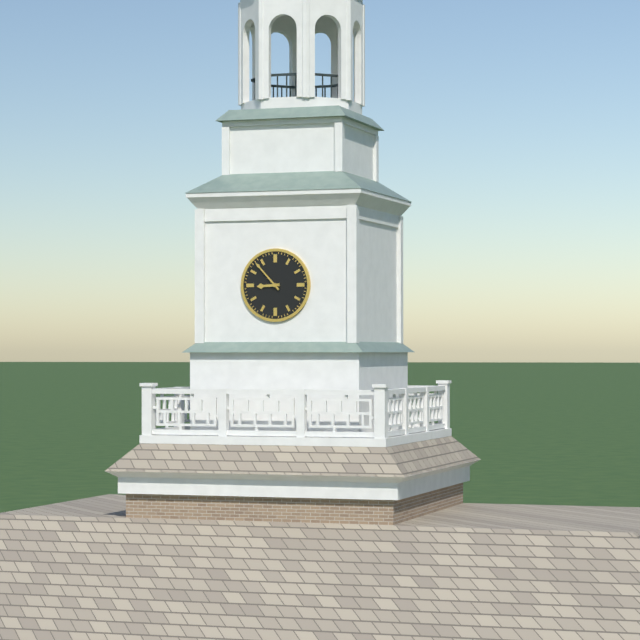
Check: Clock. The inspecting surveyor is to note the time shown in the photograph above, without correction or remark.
8:53
